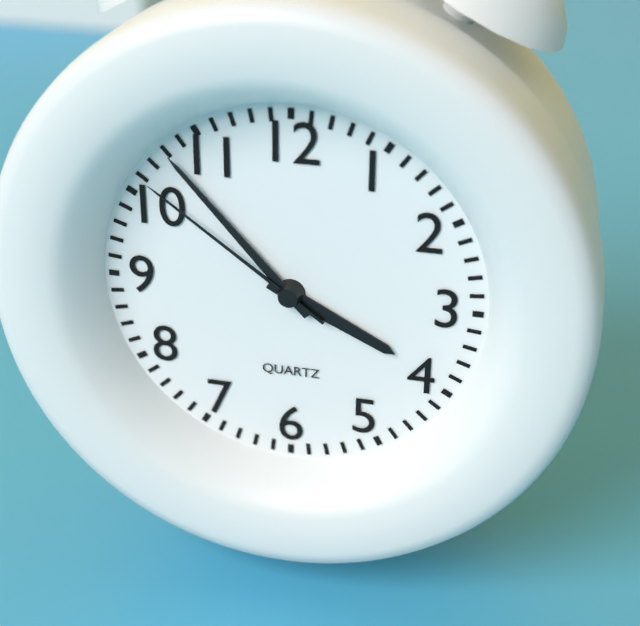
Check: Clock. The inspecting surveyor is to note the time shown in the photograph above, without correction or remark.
3:53:51
